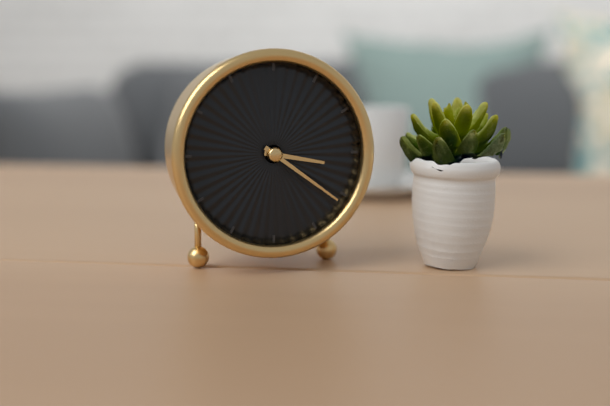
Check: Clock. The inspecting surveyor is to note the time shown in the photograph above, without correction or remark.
3:21
